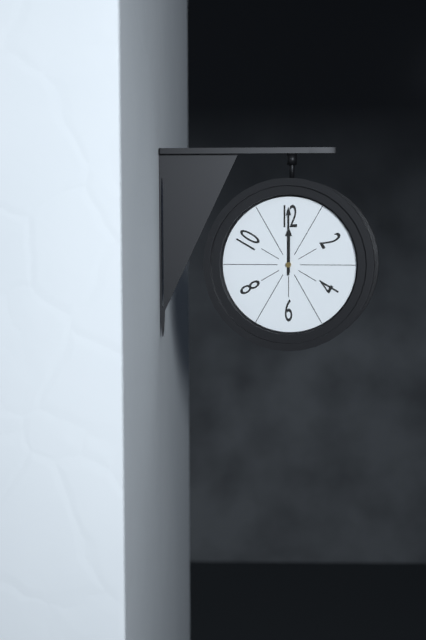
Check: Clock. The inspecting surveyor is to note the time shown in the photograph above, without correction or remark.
12:00
